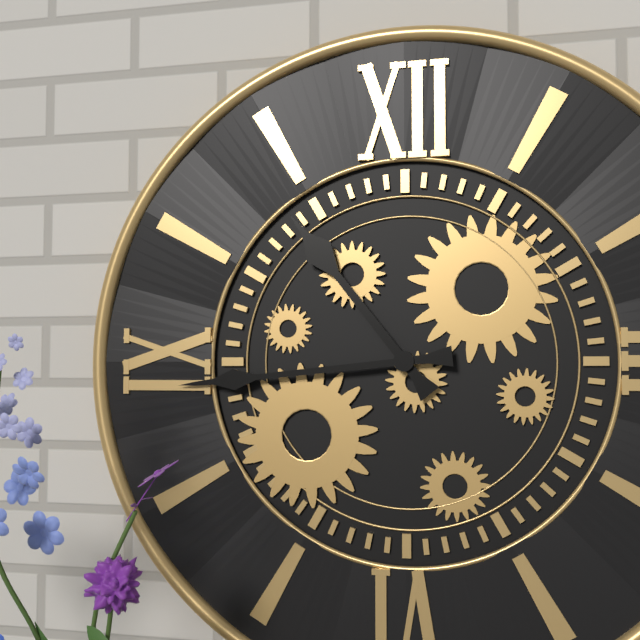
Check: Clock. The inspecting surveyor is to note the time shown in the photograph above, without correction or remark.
10:44
